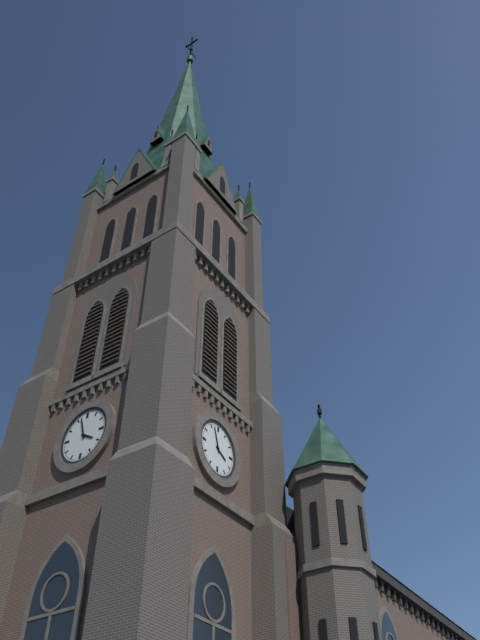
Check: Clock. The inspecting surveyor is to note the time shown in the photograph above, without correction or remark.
3:57
